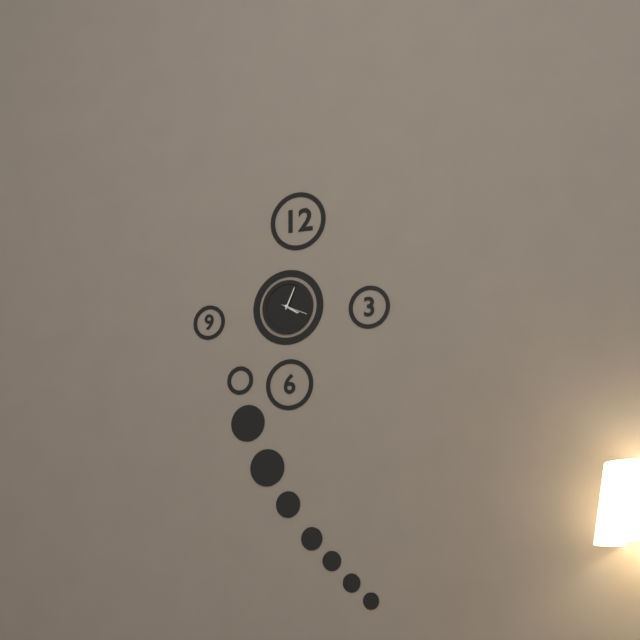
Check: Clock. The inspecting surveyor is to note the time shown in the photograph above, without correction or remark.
4:04
